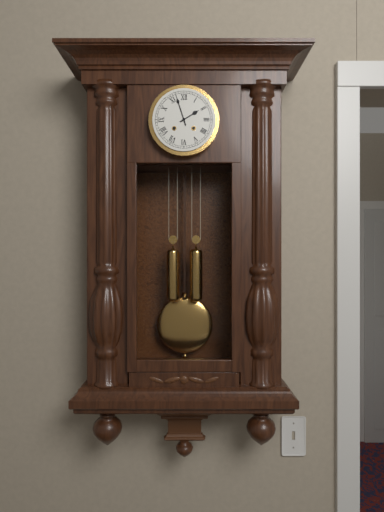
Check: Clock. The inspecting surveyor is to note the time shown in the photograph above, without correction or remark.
1:57
